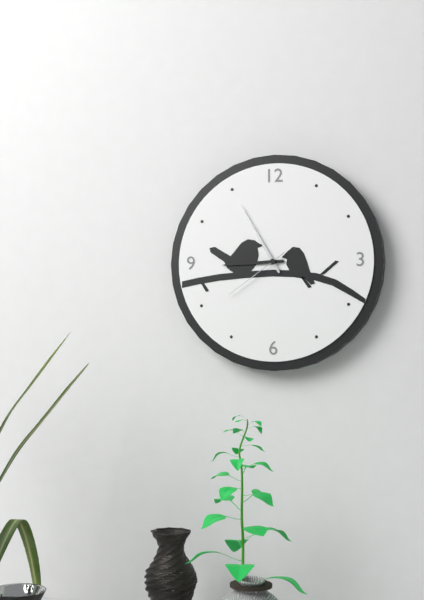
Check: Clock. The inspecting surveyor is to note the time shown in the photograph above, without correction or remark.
8:55:39
